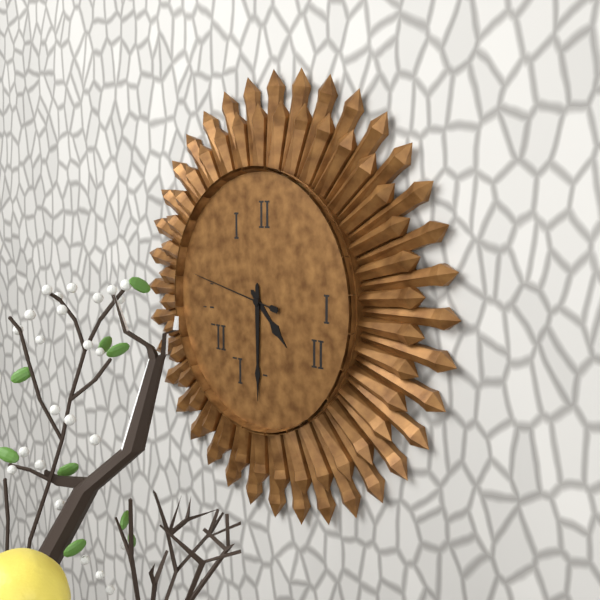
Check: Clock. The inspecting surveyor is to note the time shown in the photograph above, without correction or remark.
4:30:47
